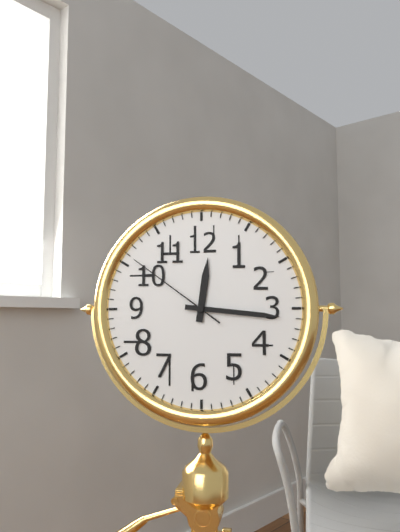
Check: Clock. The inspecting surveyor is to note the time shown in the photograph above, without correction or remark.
12:16:51
